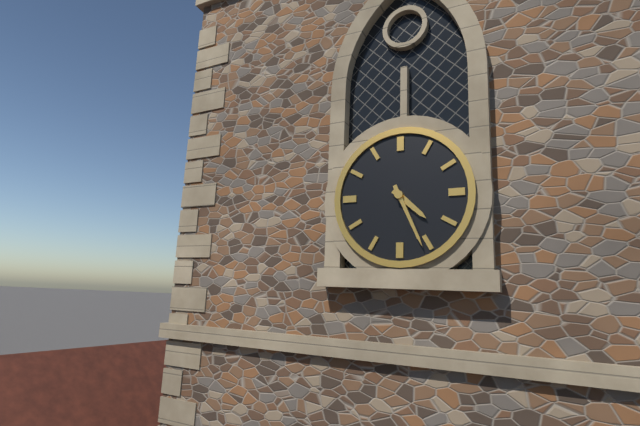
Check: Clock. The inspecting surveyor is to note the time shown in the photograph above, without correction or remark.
4:26
